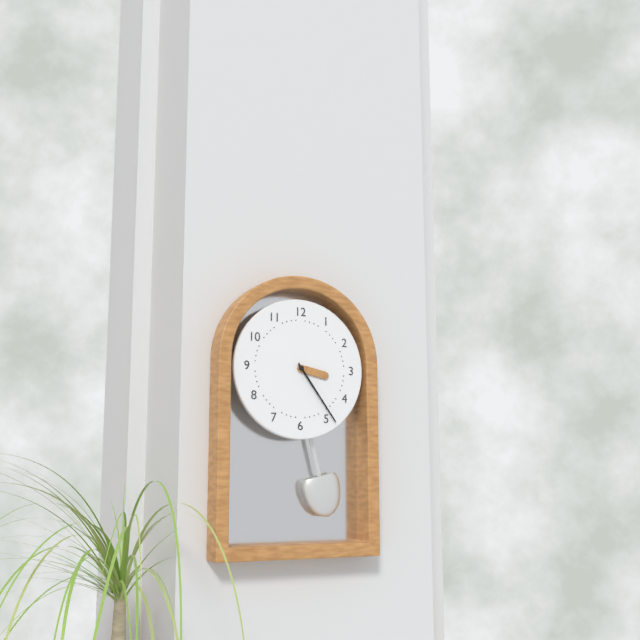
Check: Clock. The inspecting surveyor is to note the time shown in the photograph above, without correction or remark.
3:24
